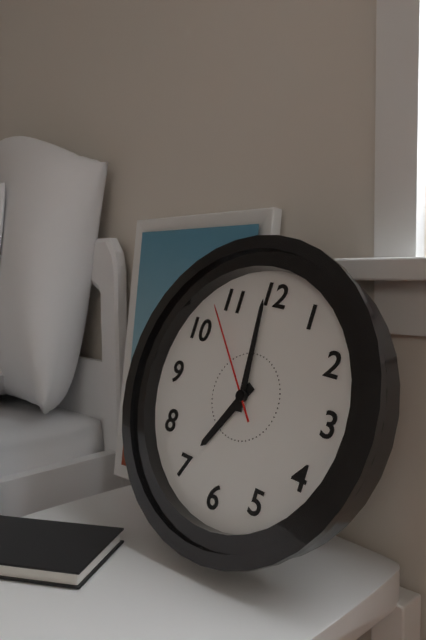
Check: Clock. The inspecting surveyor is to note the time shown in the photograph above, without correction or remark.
6:59:53
